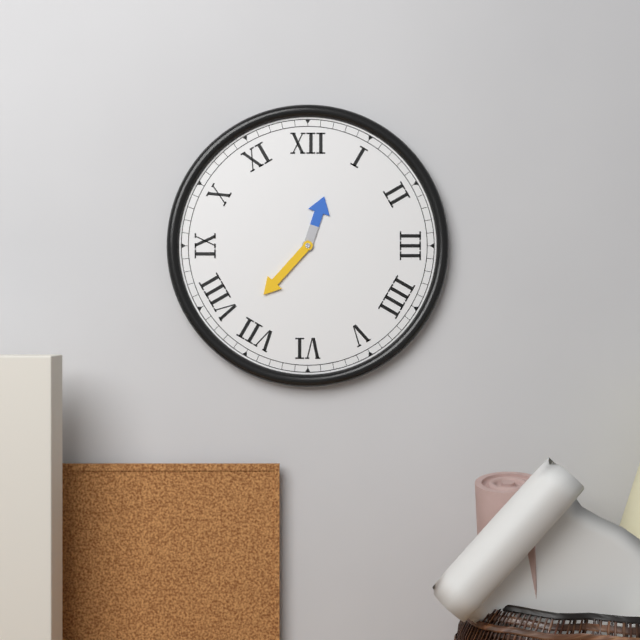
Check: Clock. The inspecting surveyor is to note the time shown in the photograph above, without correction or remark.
12:37
